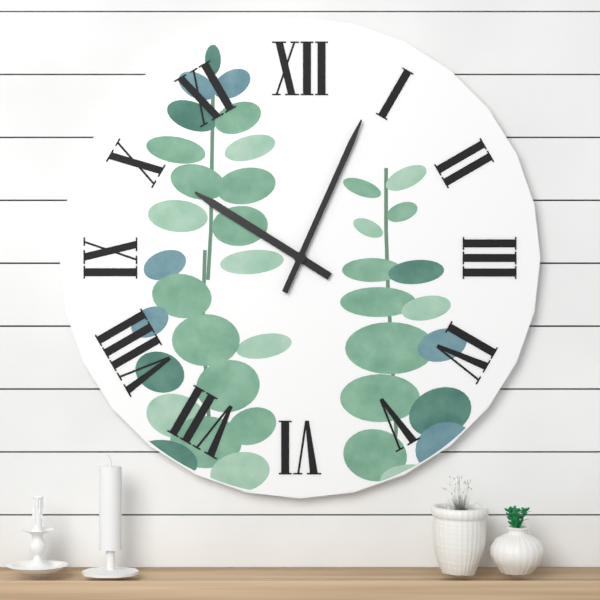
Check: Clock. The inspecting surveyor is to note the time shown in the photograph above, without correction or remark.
10:04
